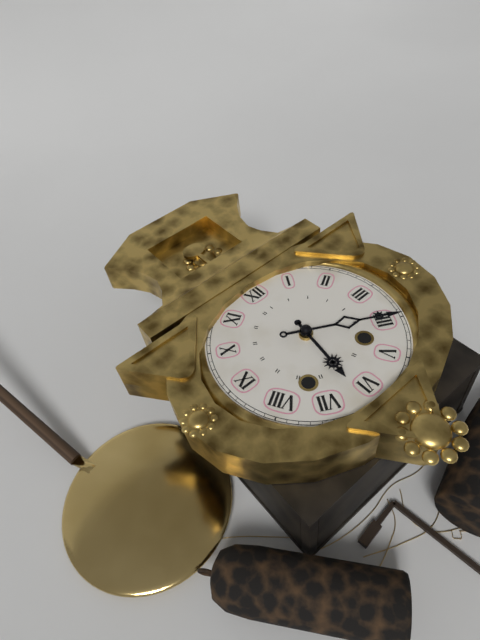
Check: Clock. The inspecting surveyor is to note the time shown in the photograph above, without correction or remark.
6:20
